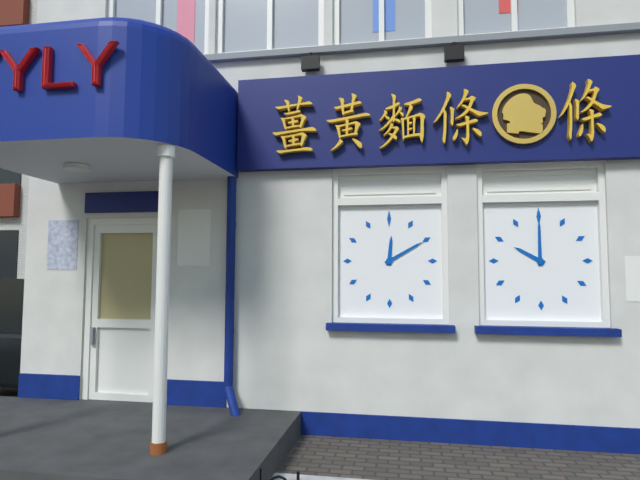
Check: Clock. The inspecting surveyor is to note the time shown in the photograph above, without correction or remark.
12:10
